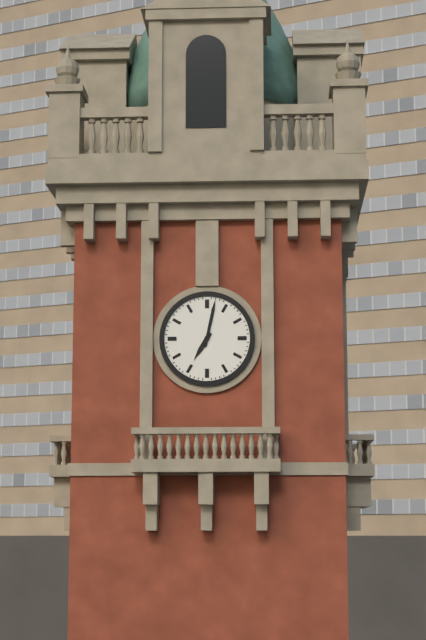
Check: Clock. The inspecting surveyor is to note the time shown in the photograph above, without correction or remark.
7:02
